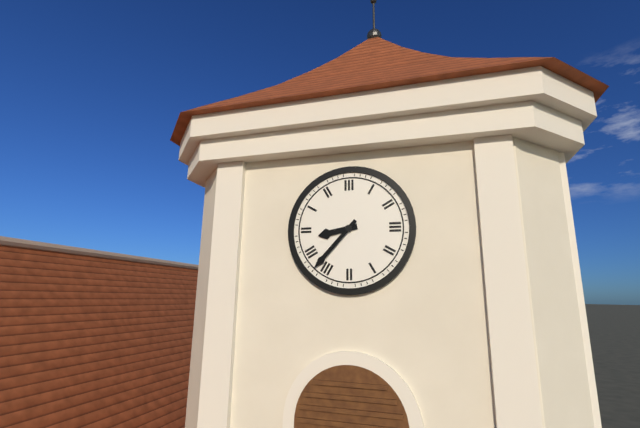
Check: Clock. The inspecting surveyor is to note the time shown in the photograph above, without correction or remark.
8:37
